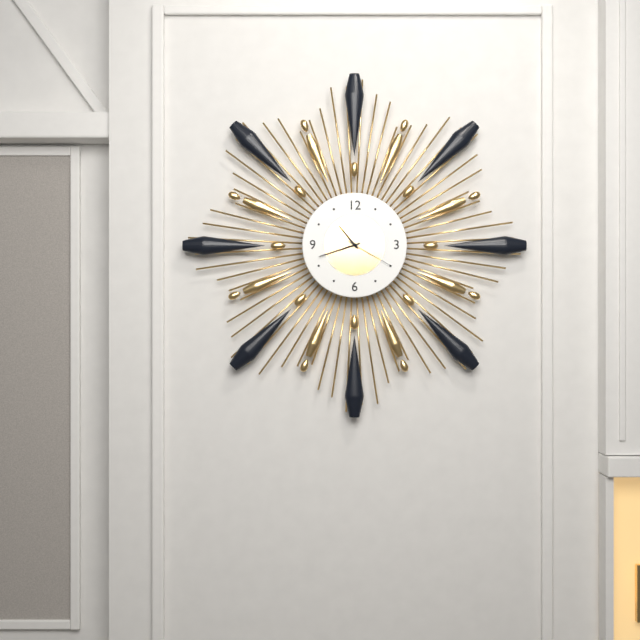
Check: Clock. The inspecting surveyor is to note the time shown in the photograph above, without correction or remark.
10:42:20
